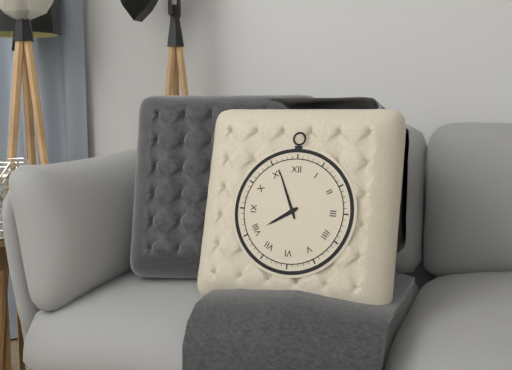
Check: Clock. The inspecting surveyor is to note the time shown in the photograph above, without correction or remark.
7:56
